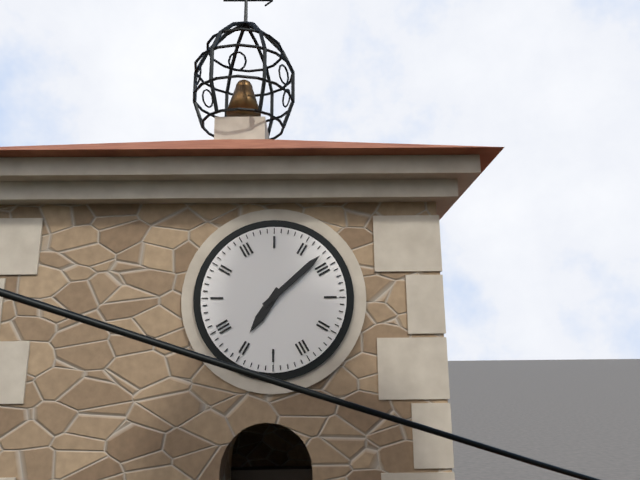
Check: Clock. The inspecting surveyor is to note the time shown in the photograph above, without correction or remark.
7:08
